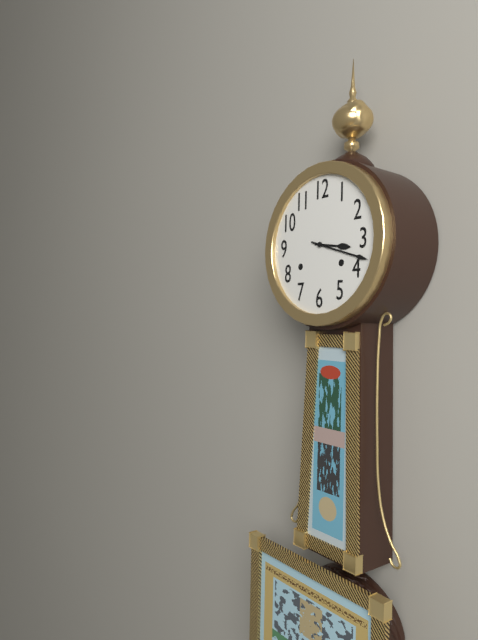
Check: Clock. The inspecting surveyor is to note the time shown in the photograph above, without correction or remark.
3:18
